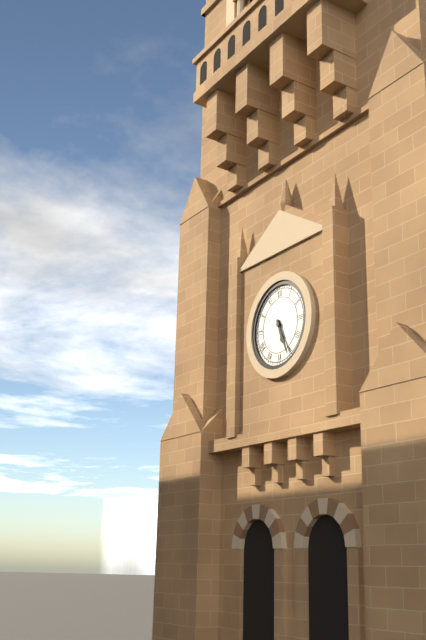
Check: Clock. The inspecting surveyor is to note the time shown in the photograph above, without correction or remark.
5:26
